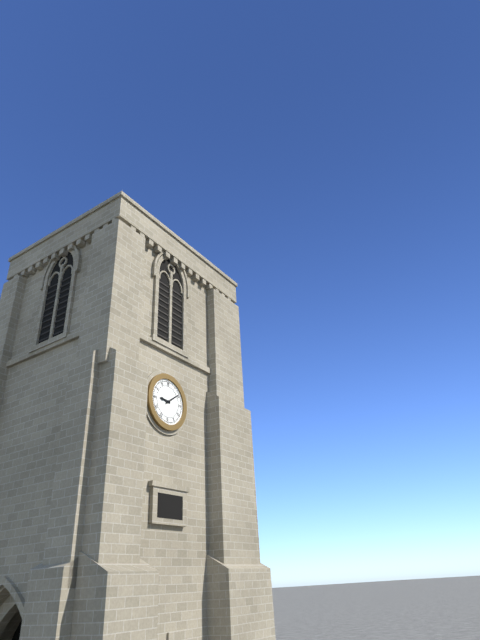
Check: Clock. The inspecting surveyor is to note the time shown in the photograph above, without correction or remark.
9:09
